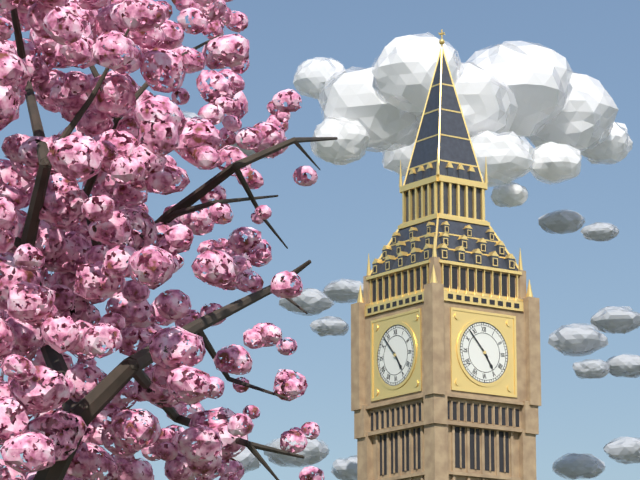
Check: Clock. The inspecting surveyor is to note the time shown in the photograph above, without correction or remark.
4:53
